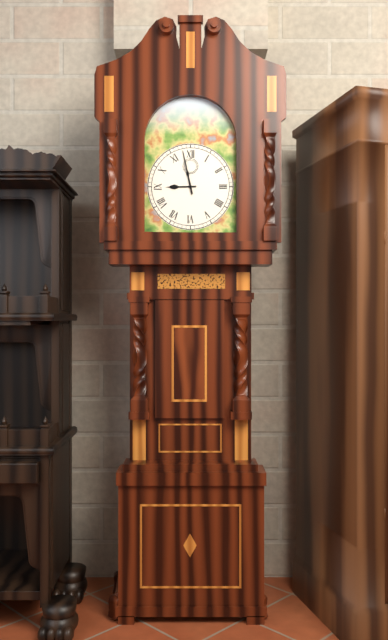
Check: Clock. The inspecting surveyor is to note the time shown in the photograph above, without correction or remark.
8:58
